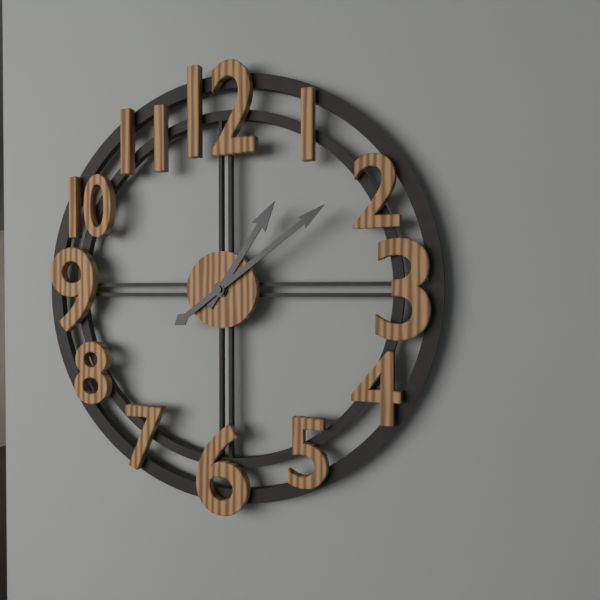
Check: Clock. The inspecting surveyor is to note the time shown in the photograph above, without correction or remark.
1:09
